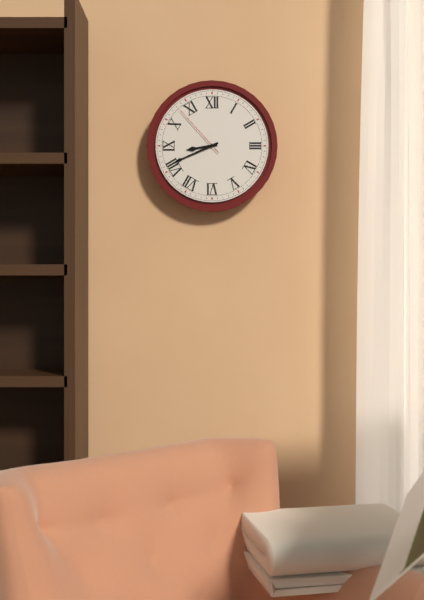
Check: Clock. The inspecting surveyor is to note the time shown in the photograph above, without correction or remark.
8:41:53
